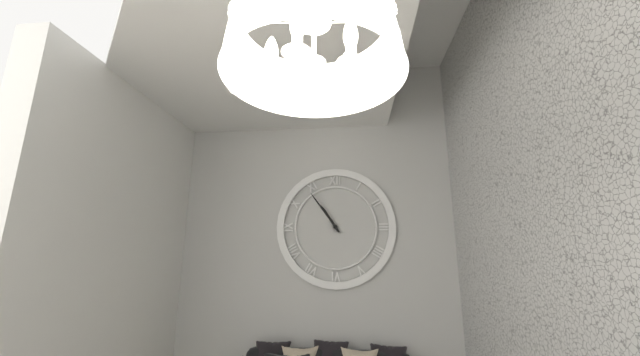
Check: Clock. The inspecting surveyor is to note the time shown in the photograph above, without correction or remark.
10:54
